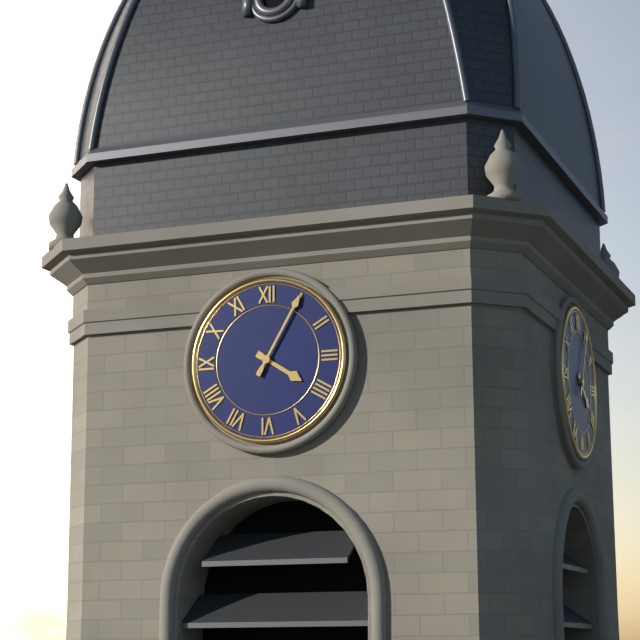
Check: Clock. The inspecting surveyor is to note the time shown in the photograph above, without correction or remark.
4:05
